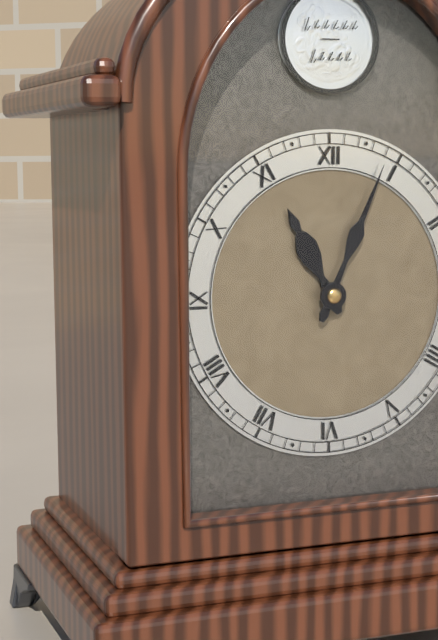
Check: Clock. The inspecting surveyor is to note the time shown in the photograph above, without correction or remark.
11:04
